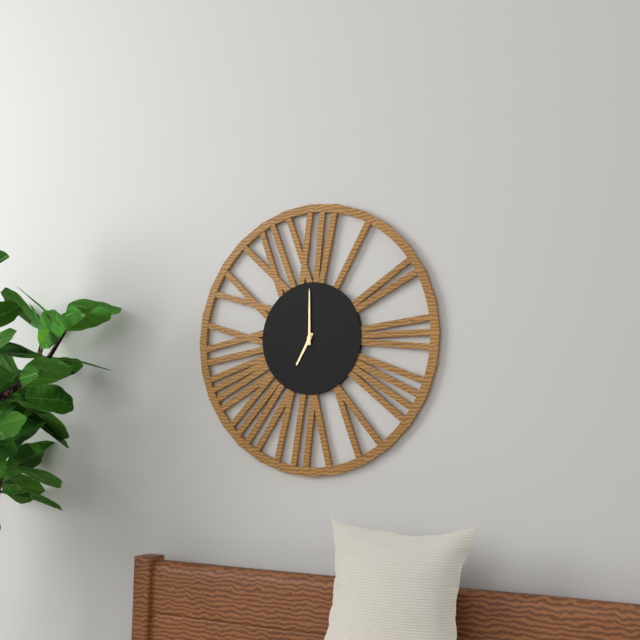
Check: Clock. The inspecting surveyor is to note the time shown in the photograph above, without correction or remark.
7:00
